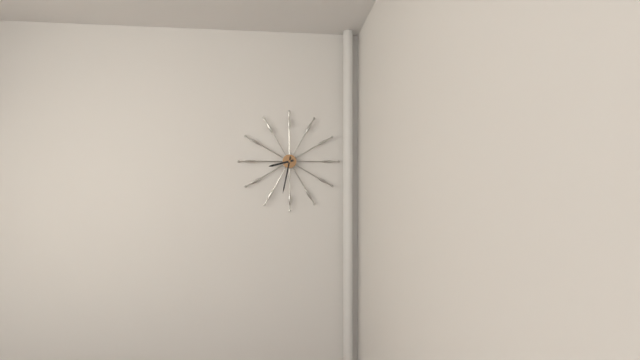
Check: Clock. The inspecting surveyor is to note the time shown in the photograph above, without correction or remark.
8:32
